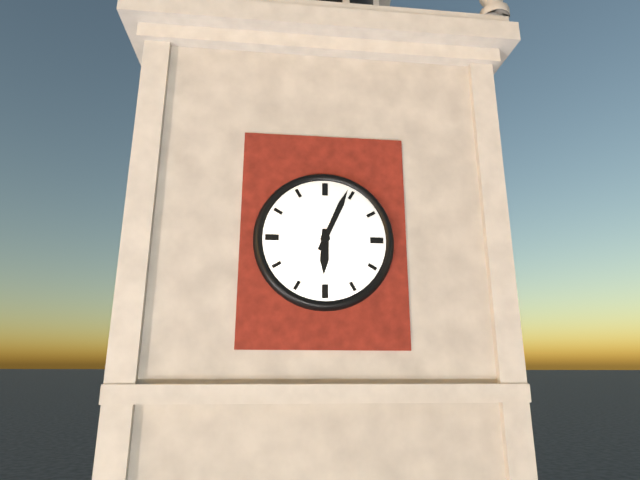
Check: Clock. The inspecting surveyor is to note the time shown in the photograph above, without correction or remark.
6:04
